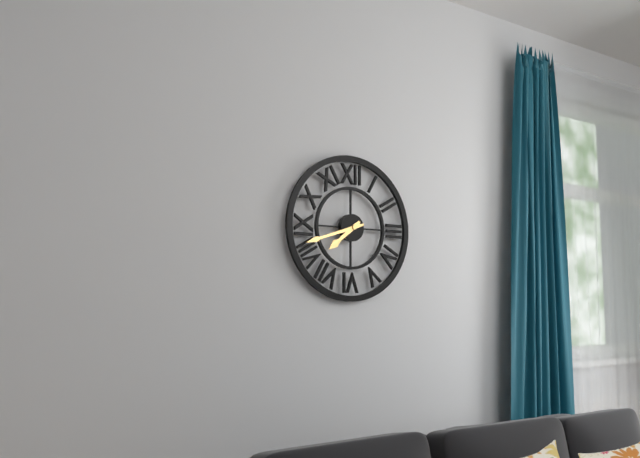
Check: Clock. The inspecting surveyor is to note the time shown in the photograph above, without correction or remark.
7:42
